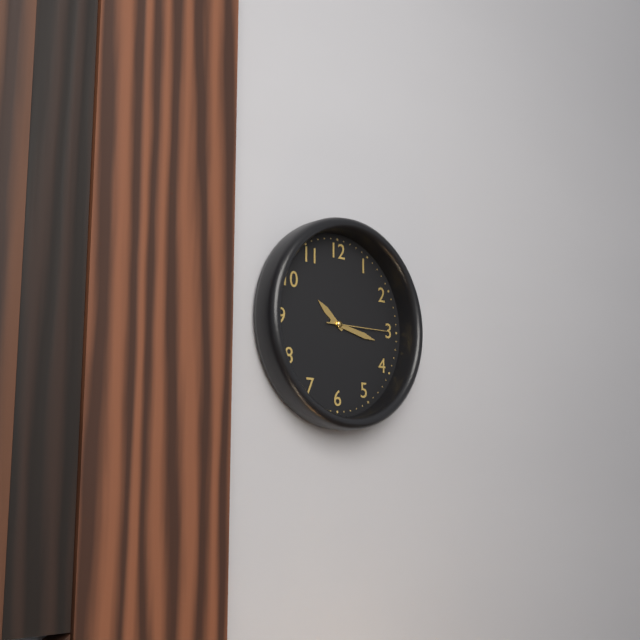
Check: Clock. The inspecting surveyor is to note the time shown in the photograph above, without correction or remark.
10:17:15
